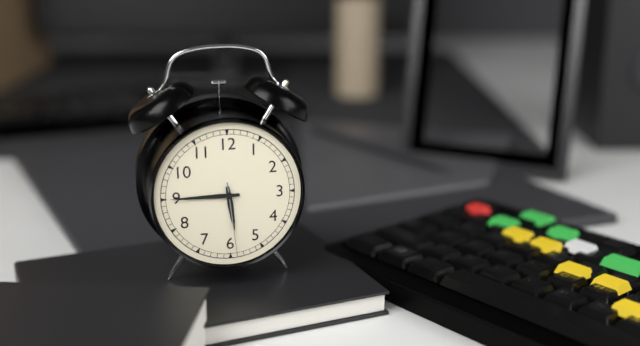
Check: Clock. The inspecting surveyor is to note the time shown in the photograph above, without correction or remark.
5:45:29
